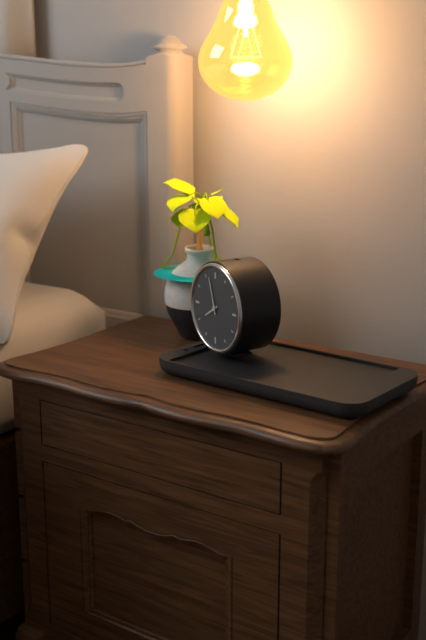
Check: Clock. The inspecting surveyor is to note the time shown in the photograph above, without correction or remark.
7:57
